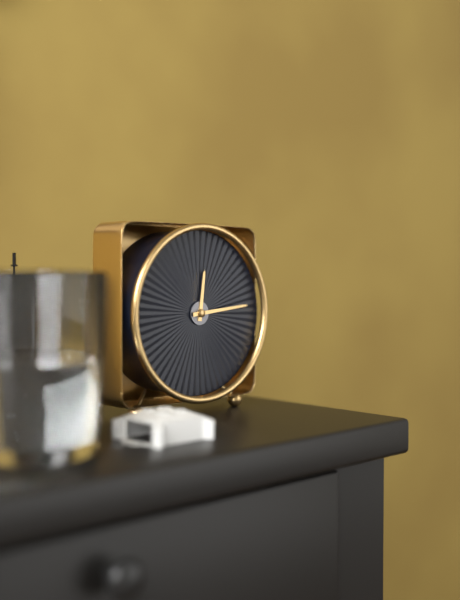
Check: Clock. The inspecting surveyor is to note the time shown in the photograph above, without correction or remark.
12:14
